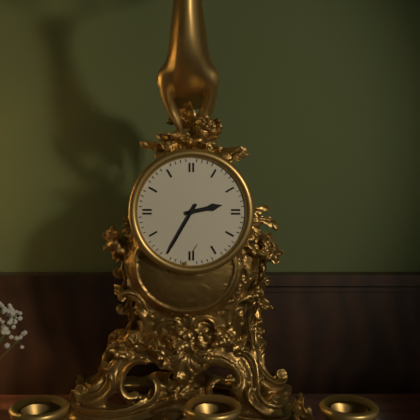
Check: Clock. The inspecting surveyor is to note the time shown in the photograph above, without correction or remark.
2:35
